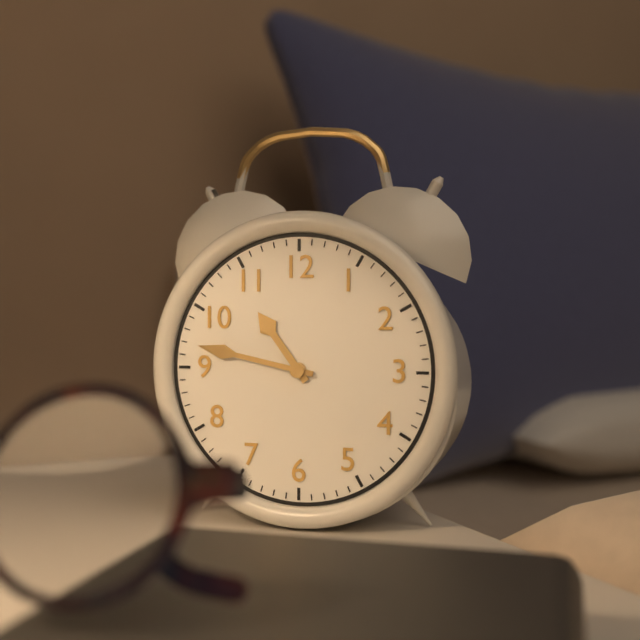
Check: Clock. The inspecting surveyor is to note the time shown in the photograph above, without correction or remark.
10:47
